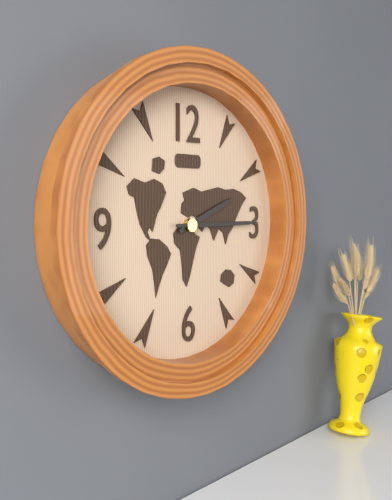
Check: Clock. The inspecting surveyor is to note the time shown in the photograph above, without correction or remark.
2:15
